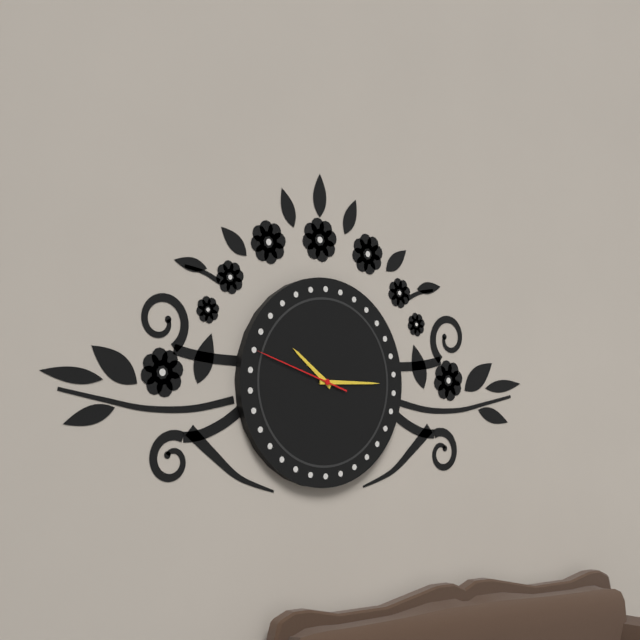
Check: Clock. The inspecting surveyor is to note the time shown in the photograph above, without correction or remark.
10:15:48
